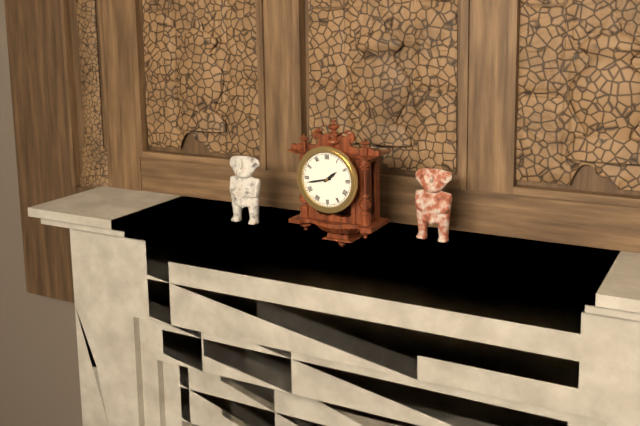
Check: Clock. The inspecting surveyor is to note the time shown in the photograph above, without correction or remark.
1:43
